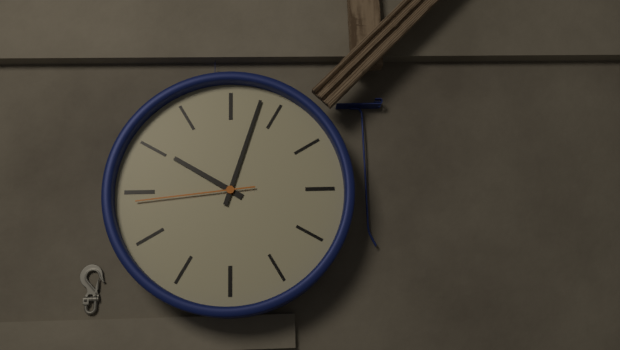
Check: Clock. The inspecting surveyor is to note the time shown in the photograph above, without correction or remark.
10:03:44
